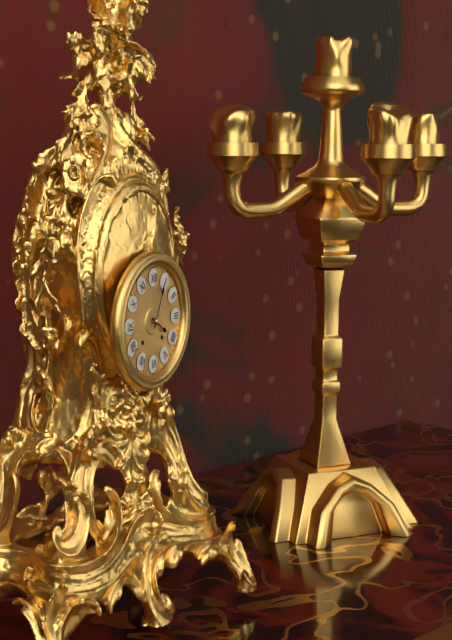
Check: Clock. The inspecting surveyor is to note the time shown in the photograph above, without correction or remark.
4:04
